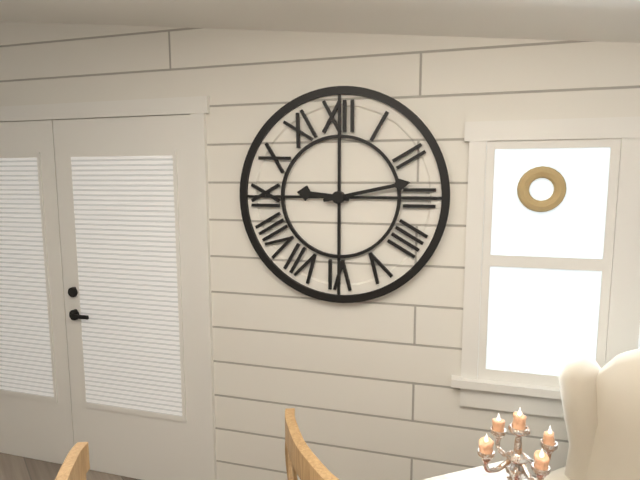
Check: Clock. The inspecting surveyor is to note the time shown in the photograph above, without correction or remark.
9:13
